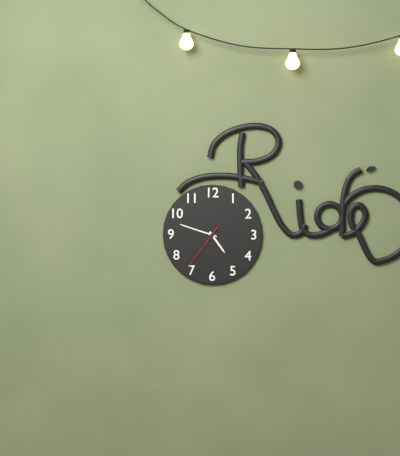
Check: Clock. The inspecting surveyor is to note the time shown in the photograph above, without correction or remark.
4:48
